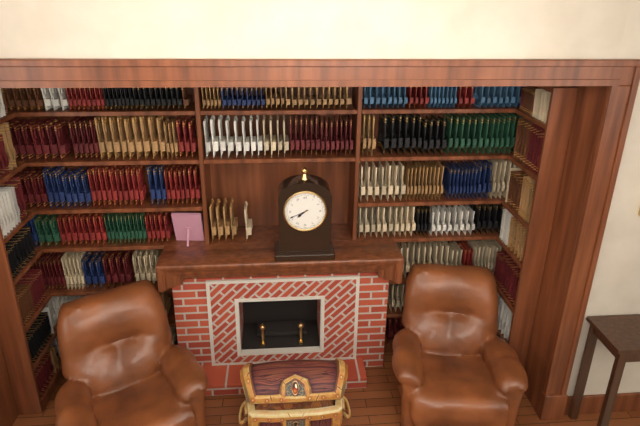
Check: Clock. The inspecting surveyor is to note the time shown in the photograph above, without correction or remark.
7:41
